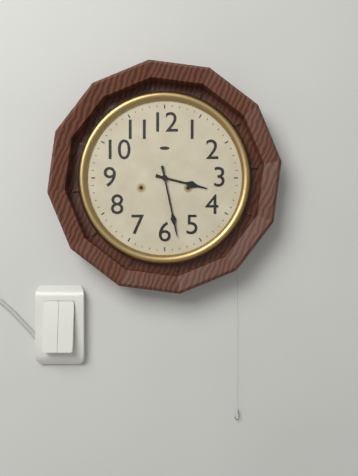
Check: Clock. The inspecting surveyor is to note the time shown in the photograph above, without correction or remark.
3:28
